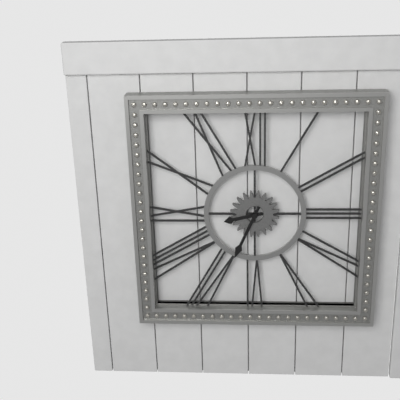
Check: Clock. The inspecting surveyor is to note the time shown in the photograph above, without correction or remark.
8:34
